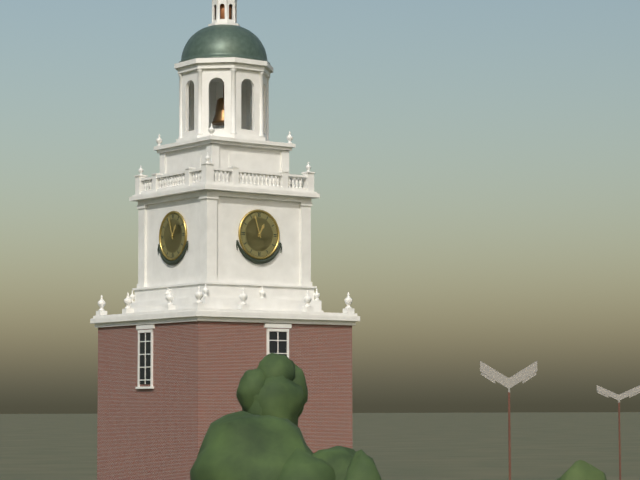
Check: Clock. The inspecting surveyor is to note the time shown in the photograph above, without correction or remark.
12:57
